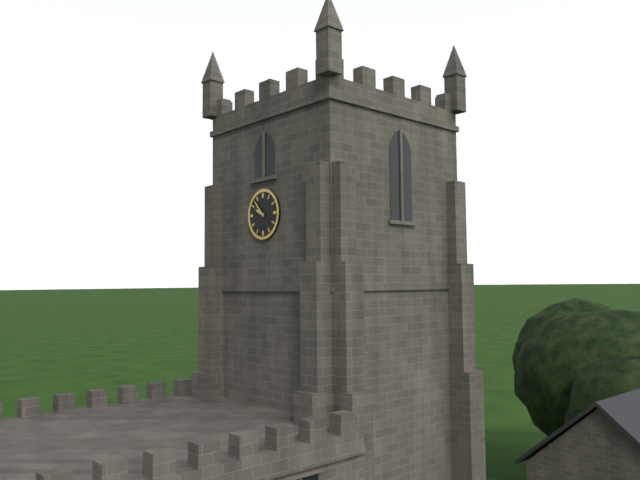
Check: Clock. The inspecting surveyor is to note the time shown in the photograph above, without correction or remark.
9:53
